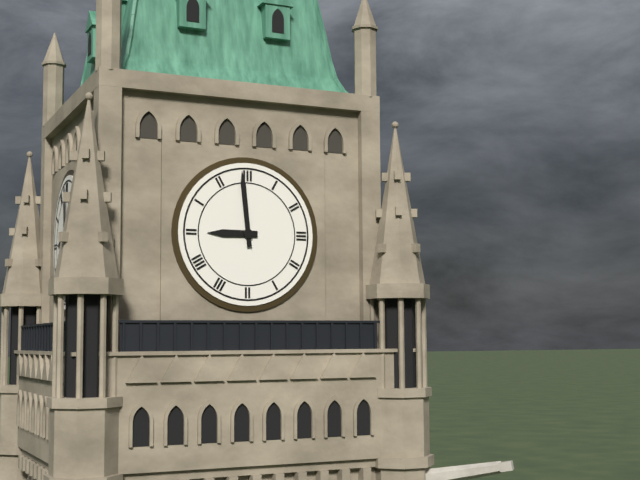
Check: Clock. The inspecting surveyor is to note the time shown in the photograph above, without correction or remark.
8:59
